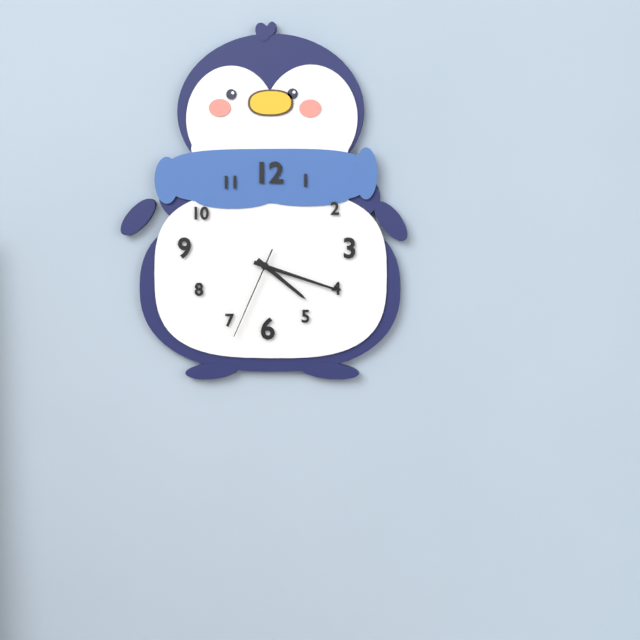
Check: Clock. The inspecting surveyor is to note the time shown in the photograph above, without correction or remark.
4:18:34
